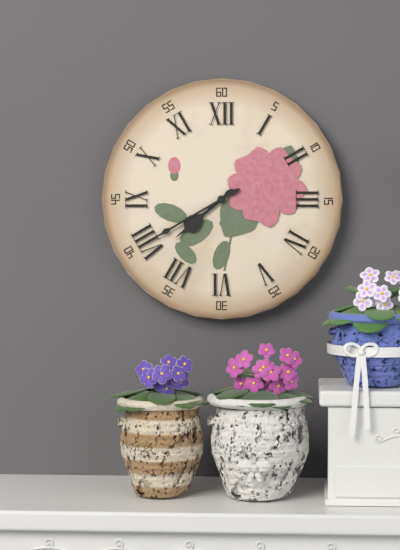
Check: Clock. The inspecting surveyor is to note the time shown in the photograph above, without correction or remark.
7:40
